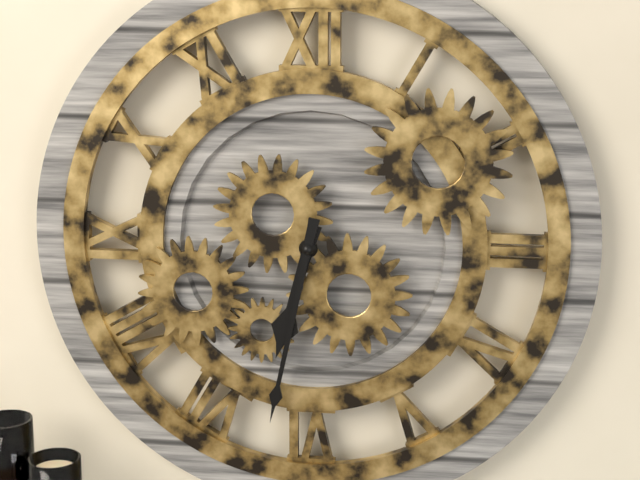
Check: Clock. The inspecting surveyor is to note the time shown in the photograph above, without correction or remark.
6:32
